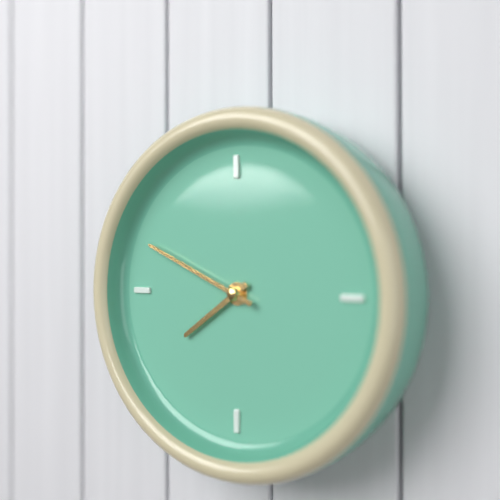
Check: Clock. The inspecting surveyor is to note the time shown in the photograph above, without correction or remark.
7:49
